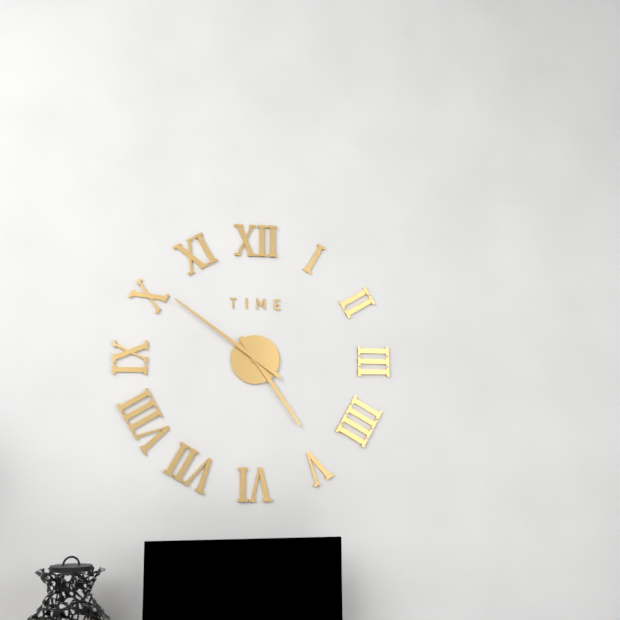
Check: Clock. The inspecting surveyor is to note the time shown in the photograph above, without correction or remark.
4:51
